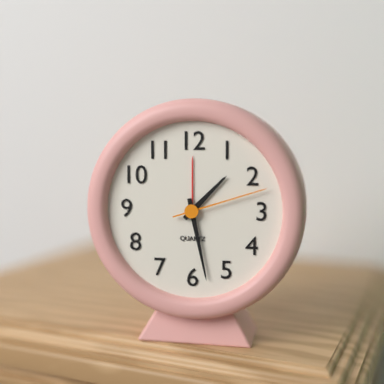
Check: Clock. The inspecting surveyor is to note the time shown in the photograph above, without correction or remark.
1:28:12
